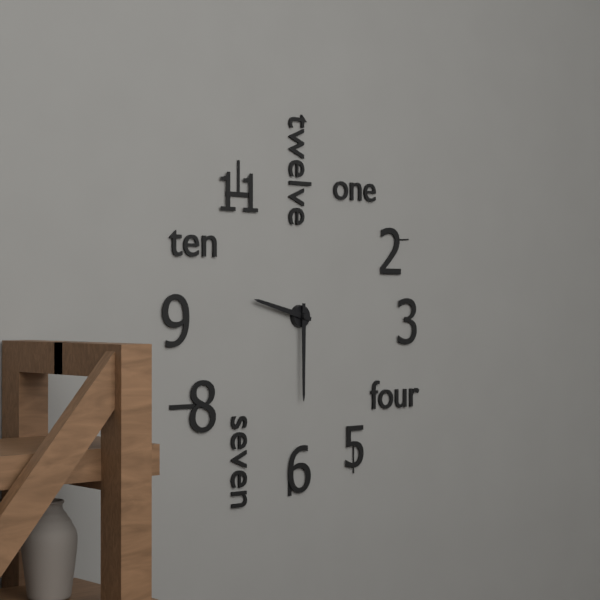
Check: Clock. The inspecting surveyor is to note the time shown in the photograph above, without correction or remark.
9:30
